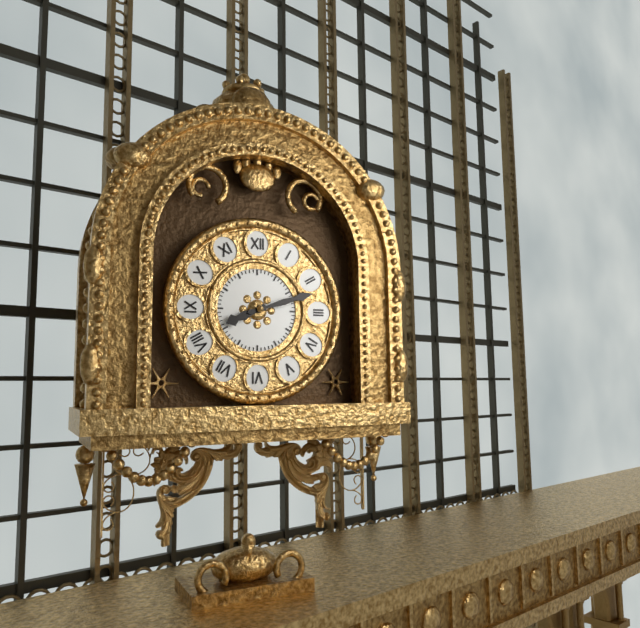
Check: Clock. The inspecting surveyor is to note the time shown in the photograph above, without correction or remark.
8:12
